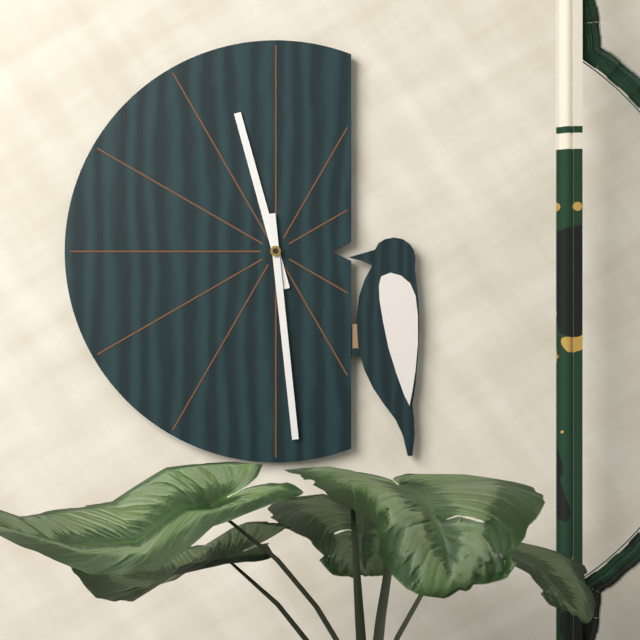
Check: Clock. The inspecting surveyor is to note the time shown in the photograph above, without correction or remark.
11:29
